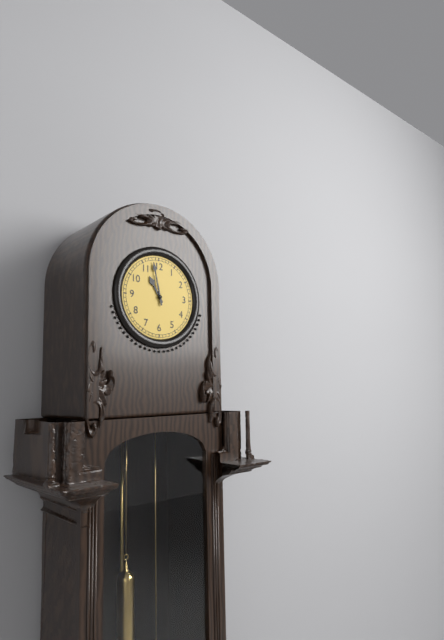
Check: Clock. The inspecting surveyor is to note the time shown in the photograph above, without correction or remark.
10:58
